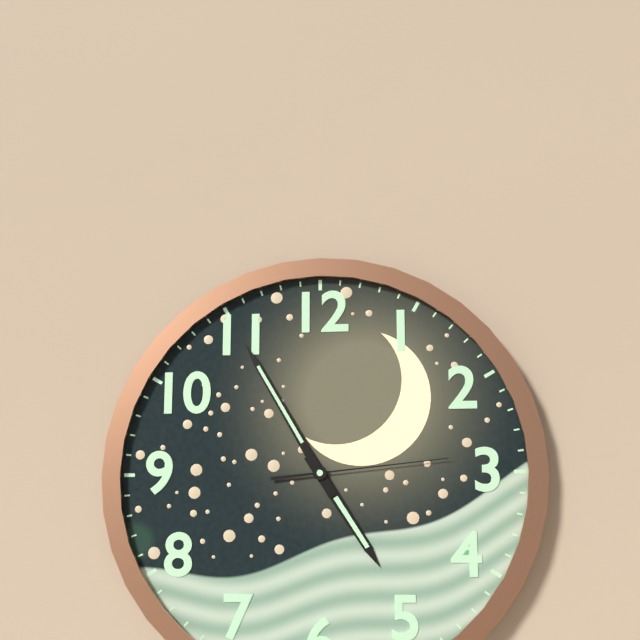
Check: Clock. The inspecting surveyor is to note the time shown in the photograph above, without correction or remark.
4:55:14
